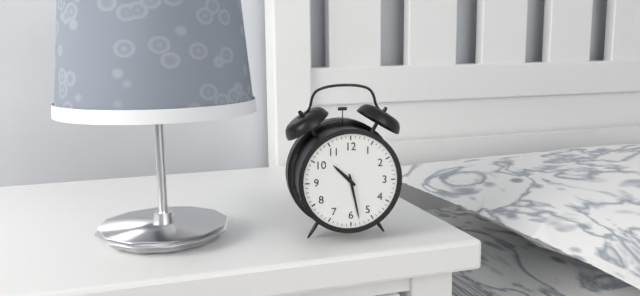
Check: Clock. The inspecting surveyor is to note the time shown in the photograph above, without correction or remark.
10:28
